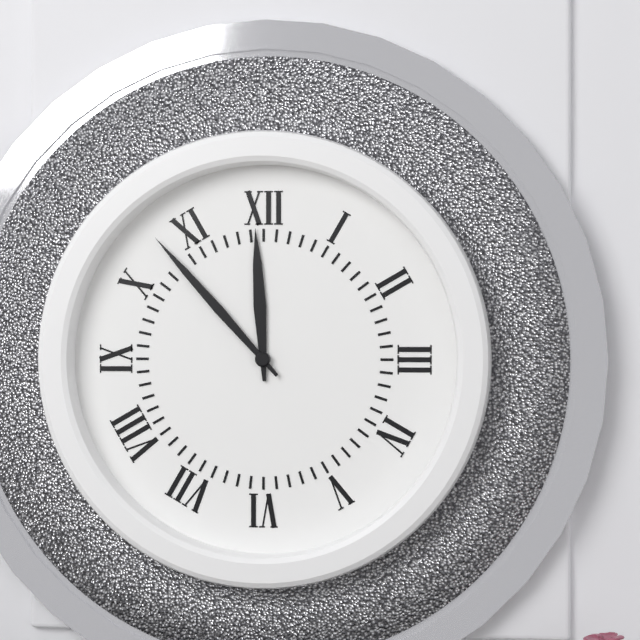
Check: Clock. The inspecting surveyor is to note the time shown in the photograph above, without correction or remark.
11:53
